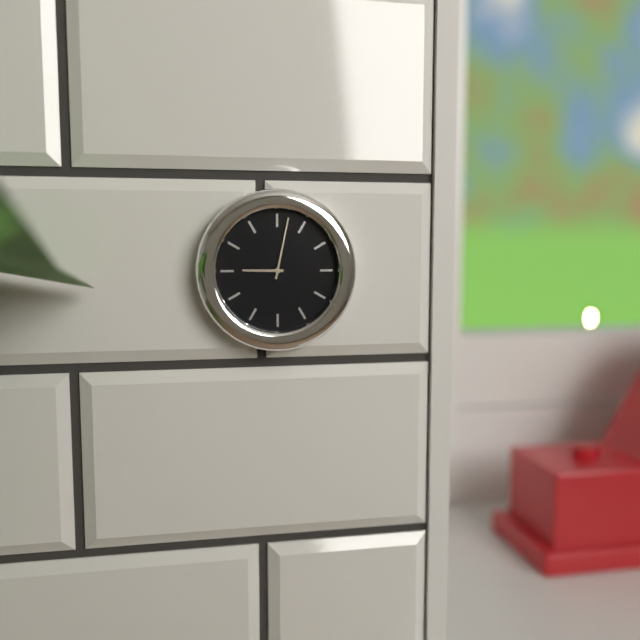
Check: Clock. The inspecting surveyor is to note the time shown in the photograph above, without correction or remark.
9:02
